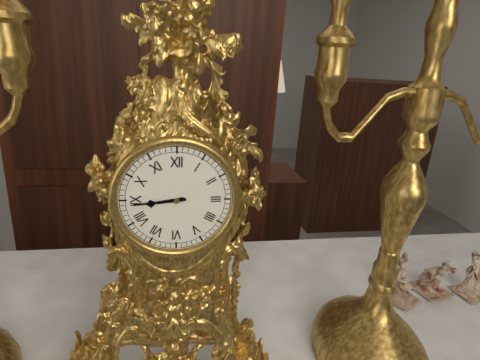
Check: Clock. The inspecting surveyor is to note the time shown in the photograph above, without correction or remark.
8:44
